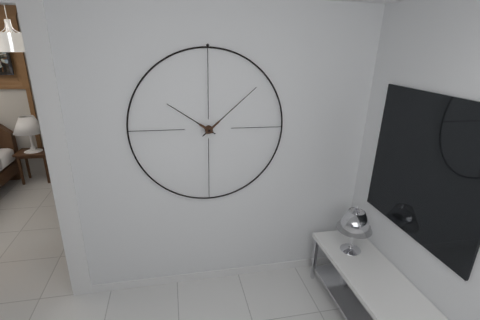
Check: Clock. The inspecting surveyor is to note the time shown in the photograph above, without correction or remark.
10:08
